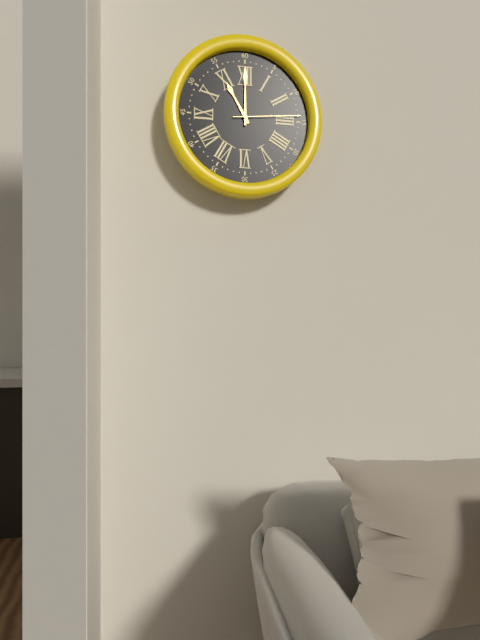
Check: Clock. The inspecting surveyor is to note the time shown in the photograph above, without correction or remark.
11:00:14
